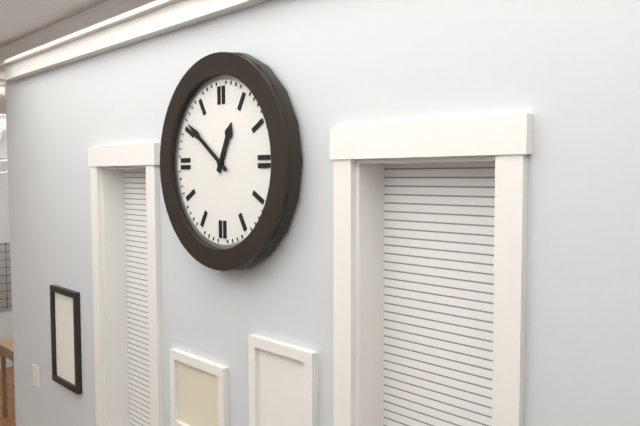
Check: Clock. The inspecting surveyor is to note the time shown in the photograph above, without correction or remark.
12:51
